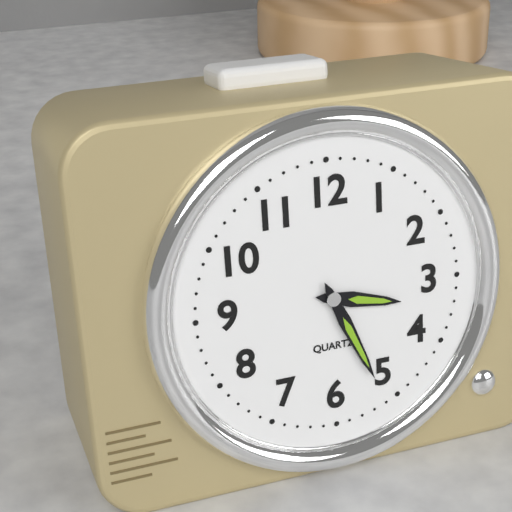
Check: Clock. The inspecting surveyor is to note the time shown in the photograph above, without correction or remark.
3:26
